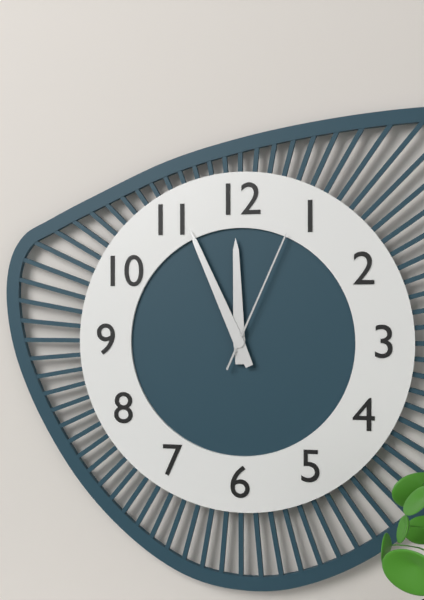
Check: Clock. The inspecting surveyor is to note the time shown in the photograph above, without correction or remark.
11:56:04
